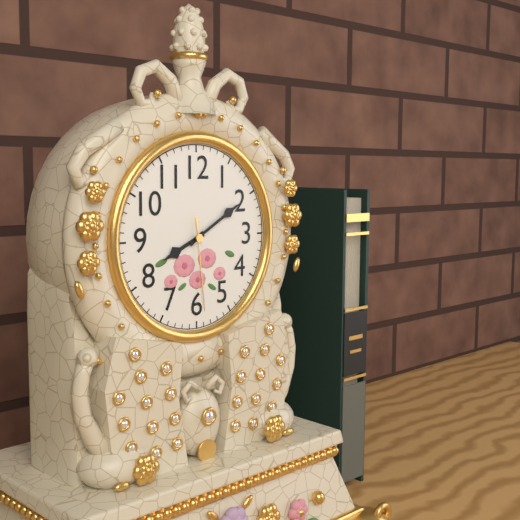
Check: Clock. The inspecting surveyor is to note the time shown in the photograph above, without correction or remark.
8:10:29
